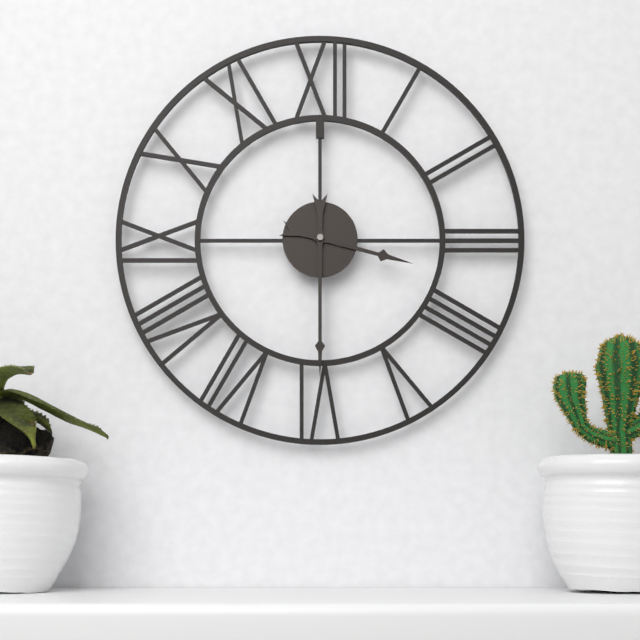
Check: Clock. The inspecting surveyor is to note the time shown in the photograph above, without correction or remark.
3:30
